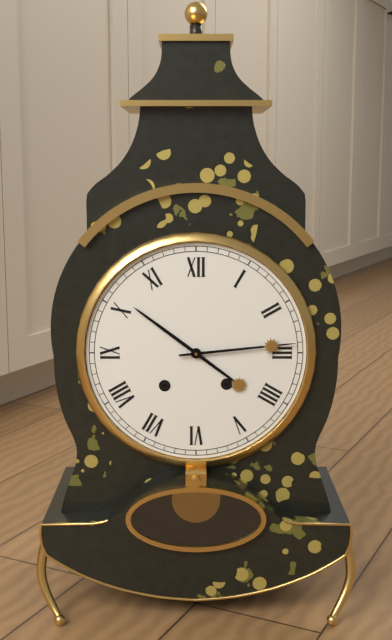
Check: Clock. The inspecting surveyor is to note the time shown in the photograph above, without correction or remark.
10:14
